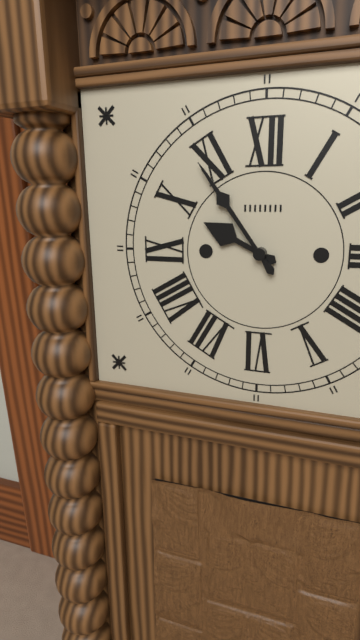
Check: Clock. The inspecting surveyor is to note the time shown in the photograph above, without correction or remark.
9:54
